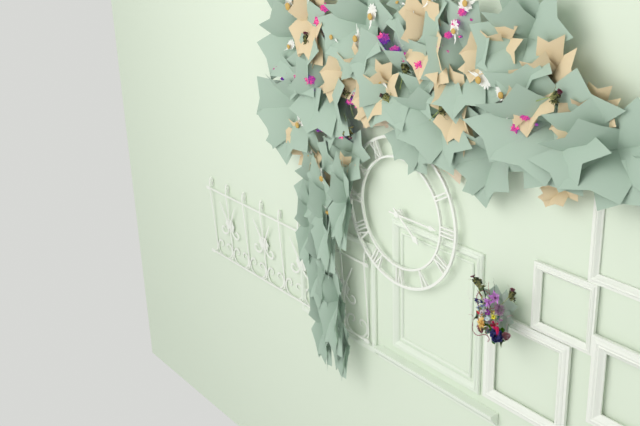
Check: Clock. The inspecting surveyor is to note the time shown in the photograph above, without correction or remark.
4:15
